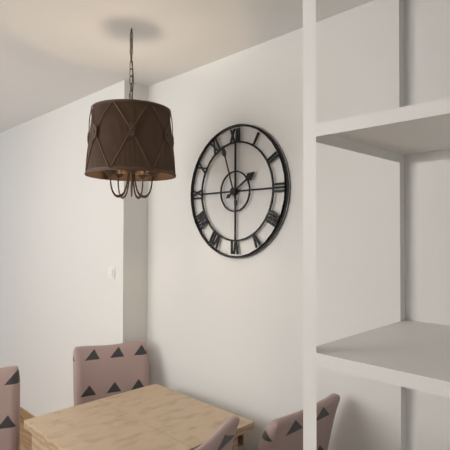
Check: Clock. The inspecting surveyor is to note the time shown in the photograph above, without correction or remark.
1:57
